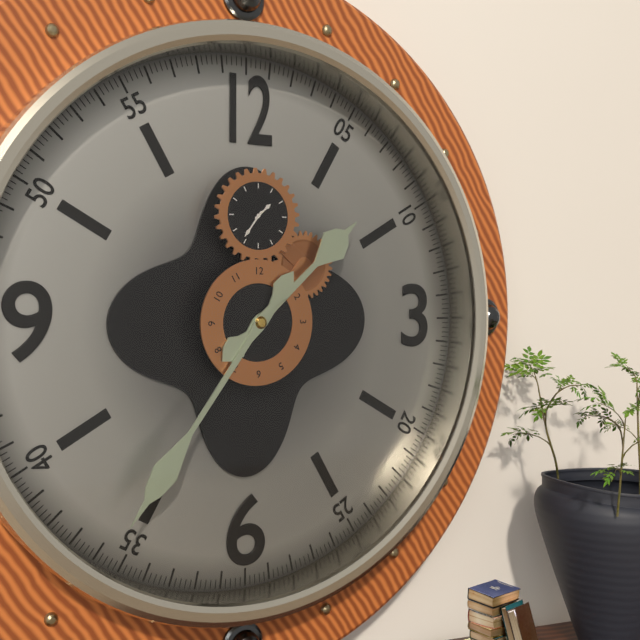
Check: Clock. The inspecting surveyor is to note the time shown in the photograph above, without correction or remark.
1:36
